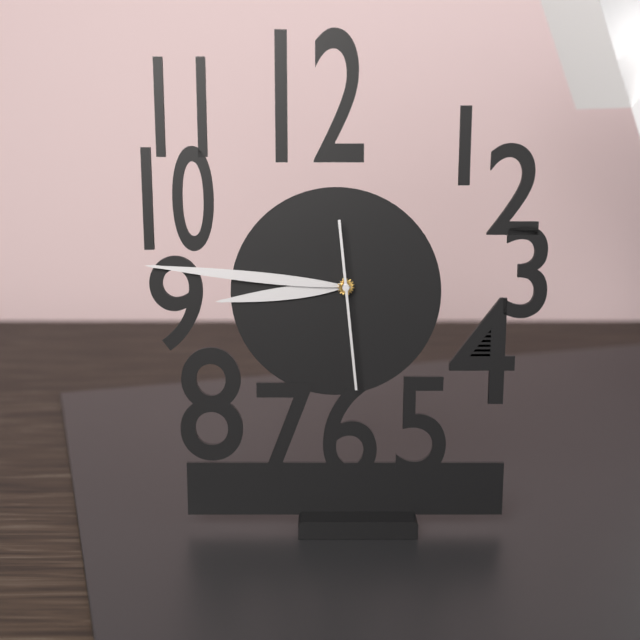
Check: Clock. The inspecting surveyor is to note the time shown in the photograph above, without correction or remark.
8:46:29
